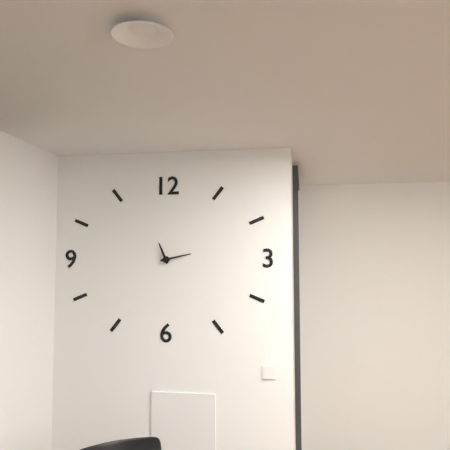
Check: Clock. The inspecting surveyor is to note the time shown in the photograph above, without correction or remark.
11:13
